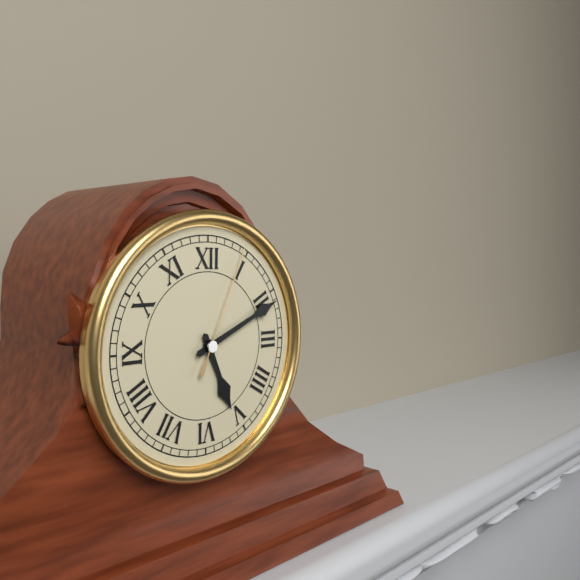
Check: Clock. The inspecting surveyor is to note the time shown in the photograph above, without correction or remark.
5:11:04
